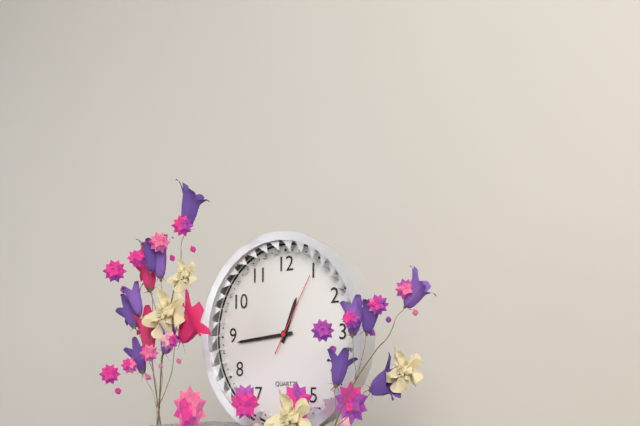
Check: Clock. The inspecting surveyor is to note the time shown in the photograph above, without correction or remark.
12:44:05
